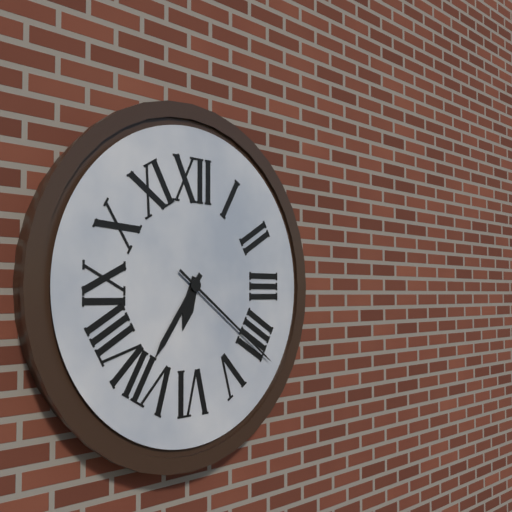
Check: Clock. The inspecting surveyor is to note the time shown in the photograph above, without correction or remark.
6:36:21
